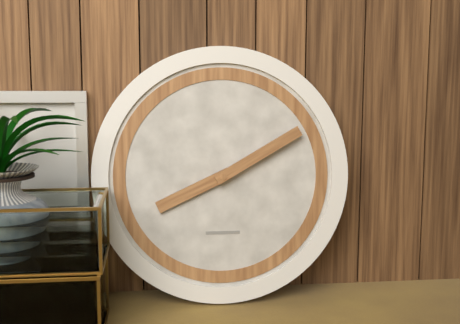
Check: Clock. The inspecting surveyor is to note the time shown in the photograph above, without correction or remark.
8:10
